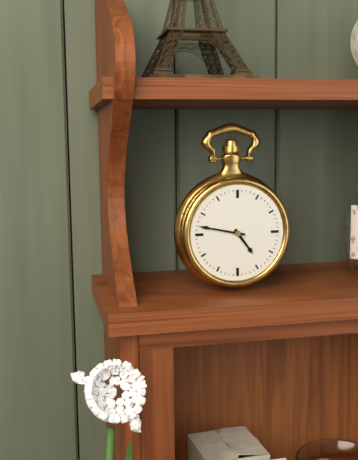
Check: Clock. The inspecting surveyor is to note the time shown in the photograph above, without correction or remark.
4:47
